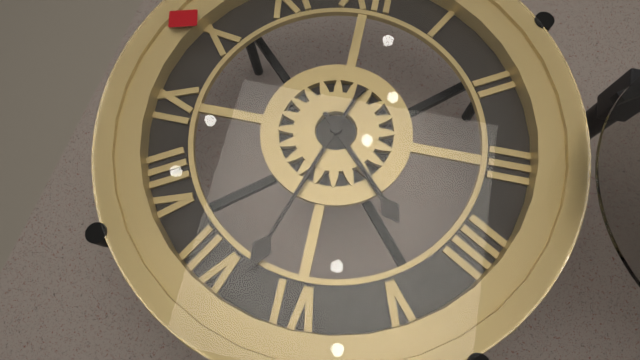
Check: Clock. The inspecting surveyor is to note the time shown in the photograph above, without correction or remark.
4:33
